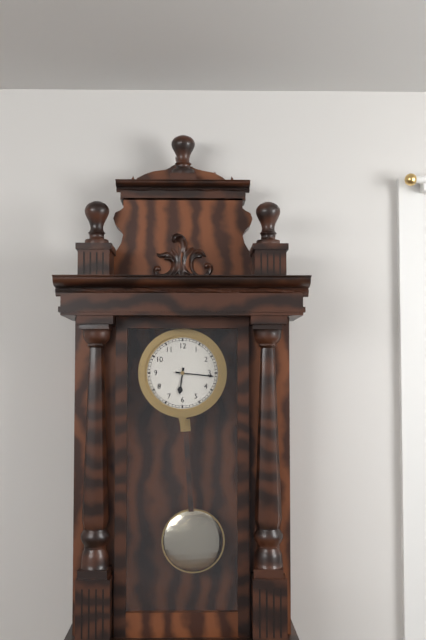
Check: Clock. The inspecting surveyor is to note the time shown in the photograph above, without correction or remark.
6:16
